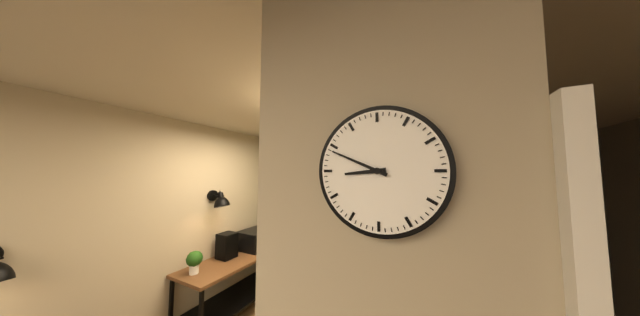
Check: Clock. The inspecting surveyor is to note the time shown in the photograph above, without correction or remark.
8:49
